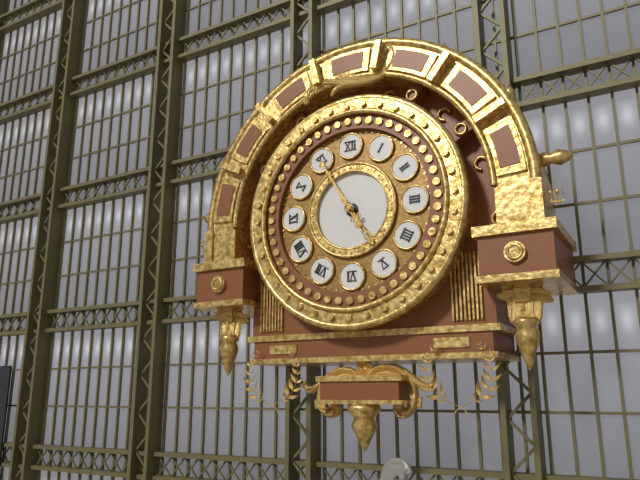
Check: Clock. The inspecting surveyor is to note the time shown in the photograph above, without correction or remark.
4:55
